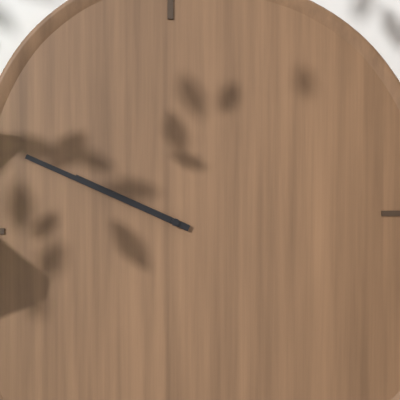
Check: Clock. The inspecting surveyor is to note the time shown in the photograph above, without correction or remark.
9:49
